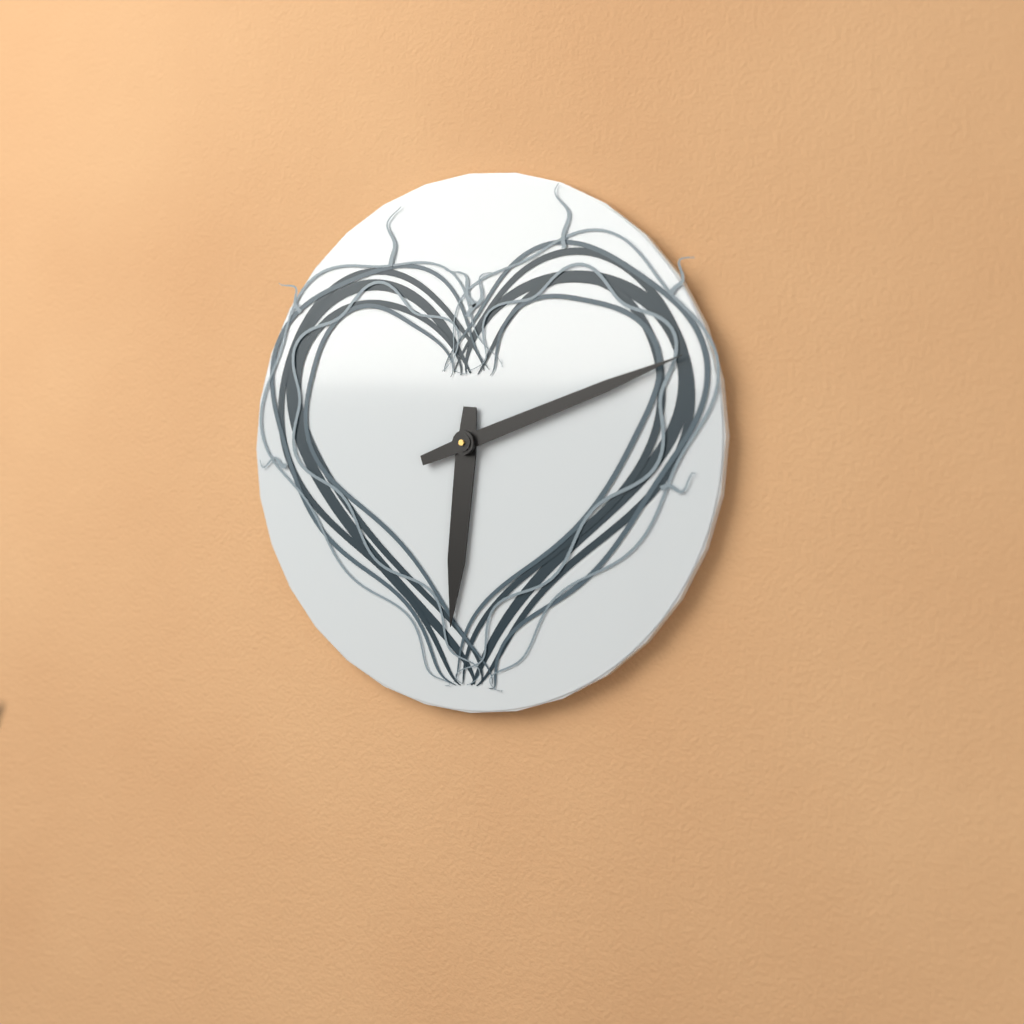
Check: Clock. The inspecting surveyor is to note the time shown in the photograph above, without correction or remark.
6:12
